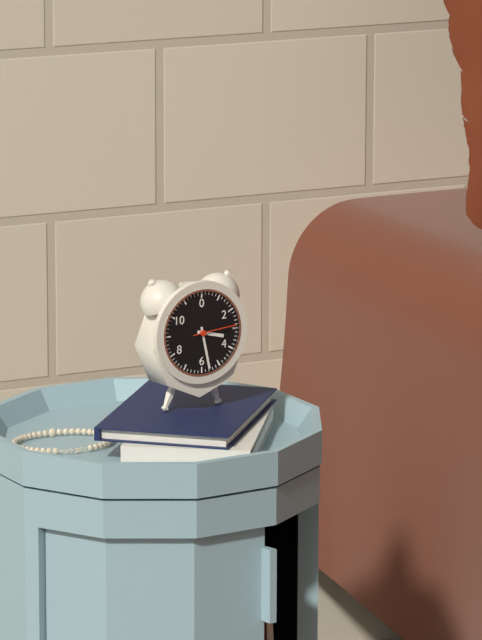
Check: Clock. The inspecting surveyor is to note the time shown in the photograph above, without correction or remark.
3:28
